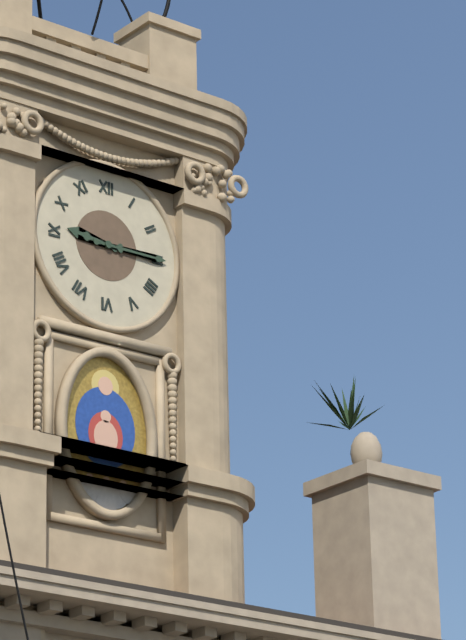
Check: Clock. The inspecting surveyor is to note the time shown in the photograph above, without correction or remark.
9:15
